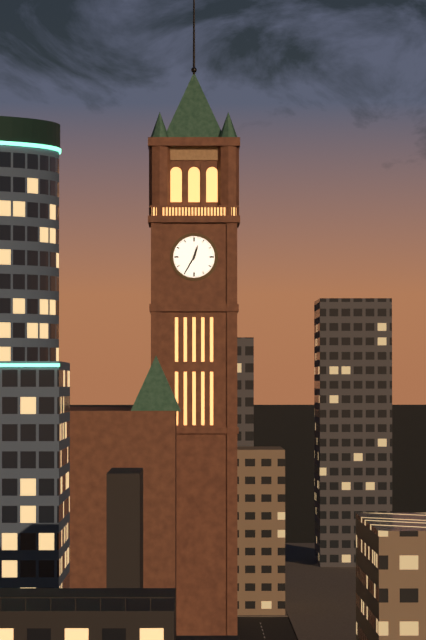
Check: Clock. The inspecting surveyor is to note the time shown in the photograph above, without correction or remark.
12:35
